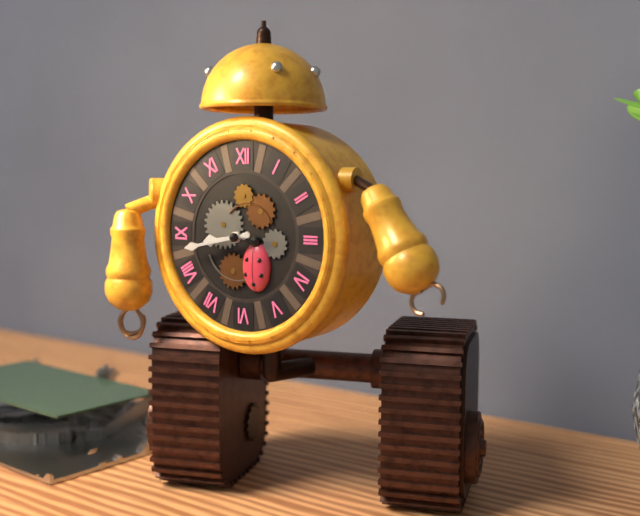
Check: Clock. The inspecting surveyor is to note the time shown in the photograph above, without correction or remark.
8:43
